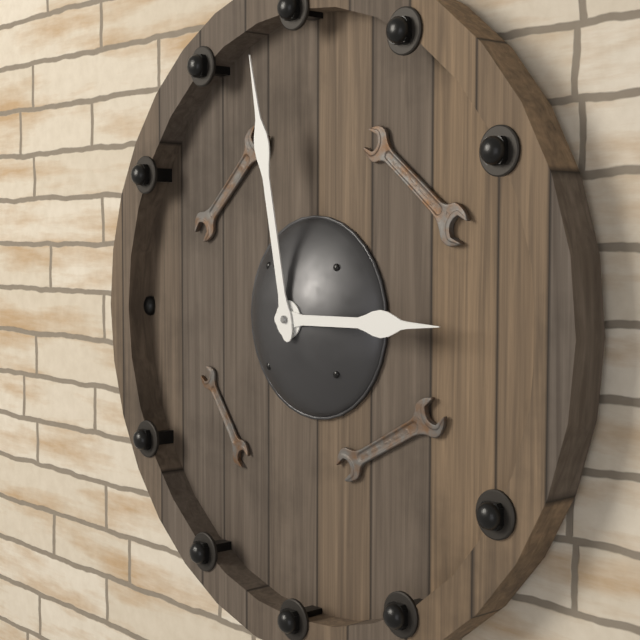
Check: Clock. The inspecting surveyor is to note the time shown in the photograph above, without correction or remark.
2:58
